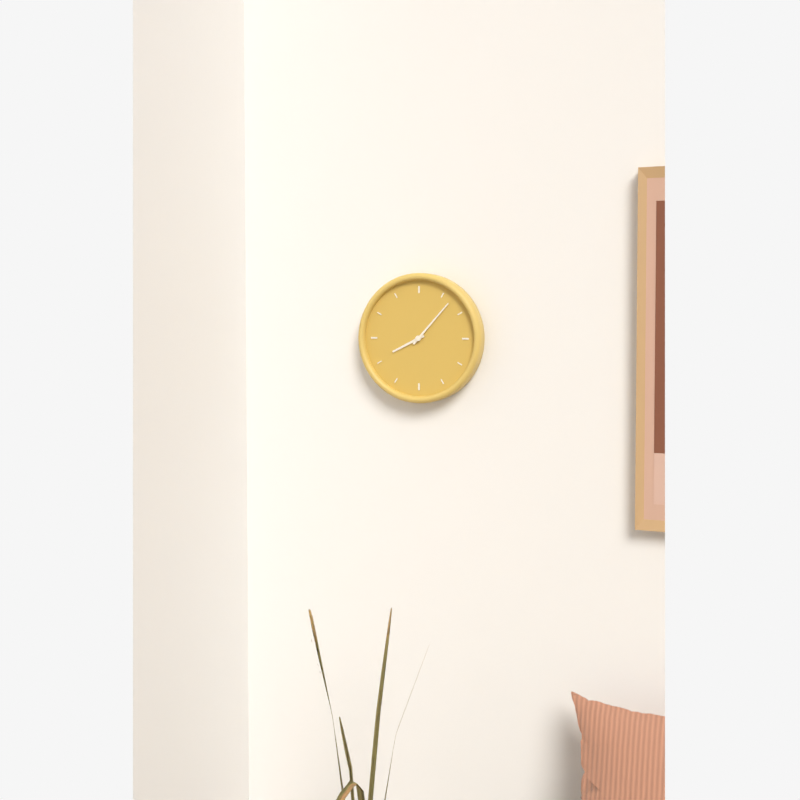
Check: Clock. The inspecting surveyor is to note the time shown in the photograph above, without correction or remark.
8:07
